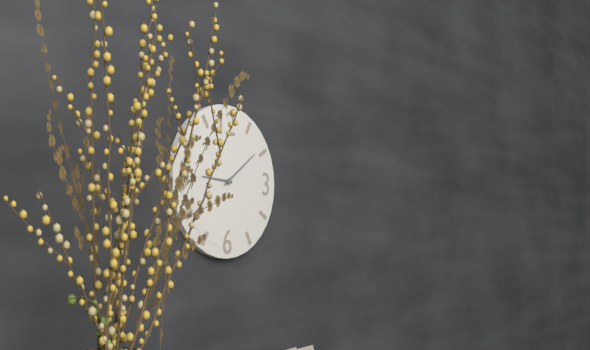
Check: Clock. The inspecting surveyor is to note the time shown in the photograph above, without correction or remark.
9:09
